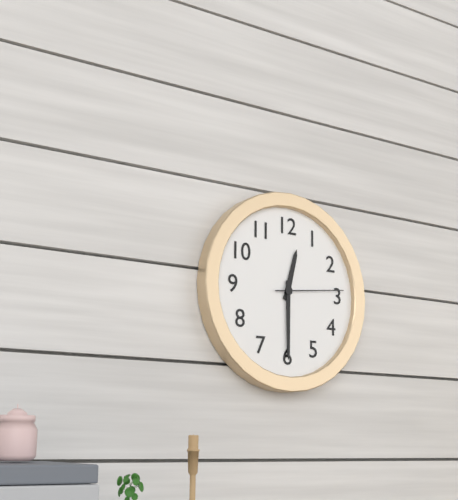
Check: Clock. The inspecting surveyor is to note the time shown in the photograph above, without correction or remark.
12:30:14
